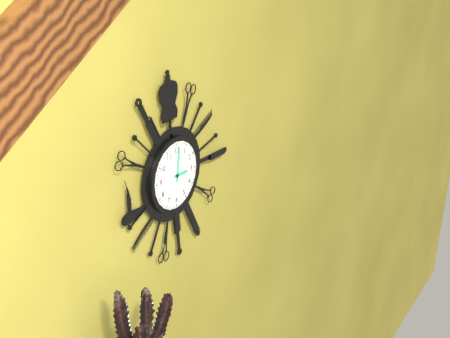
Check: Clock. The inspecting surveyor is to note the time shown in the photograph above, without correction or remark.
3:01
